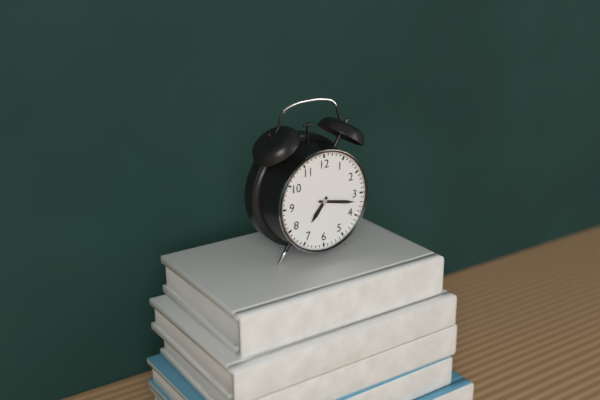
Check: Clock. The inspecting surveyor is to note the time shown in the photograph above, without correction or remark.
7:17
